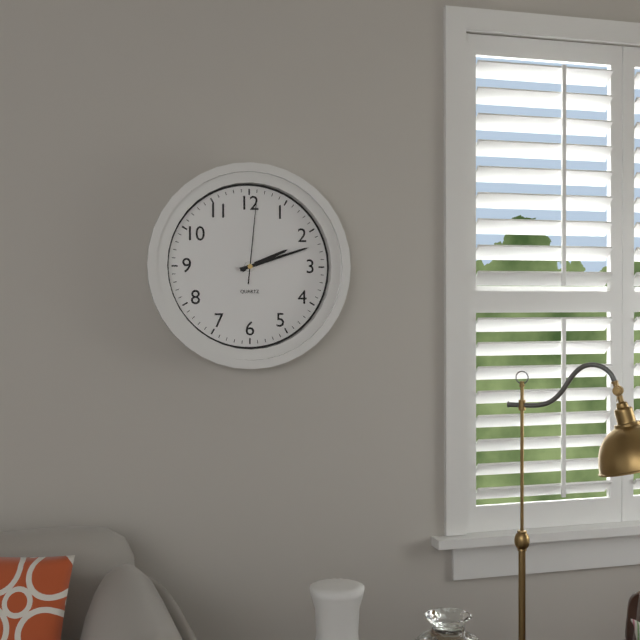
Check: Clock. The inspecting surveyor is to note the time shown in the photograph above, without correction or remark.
2:12:01
